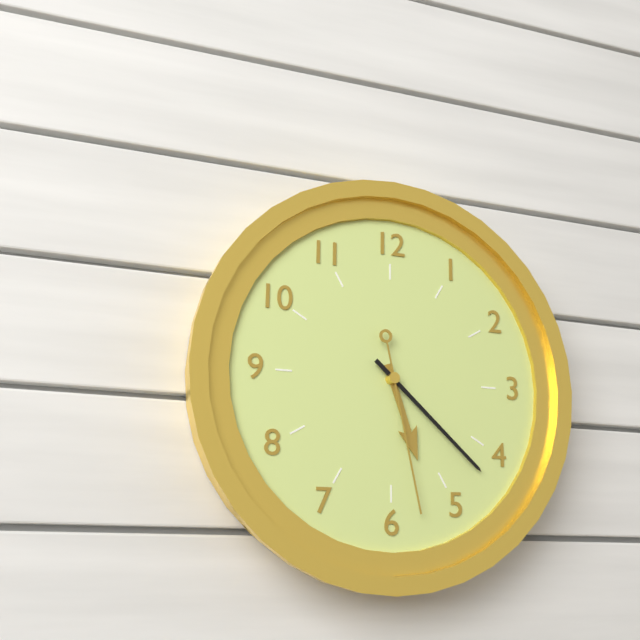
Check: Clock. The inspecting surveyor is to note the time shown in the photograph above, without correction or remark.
5:22:28
